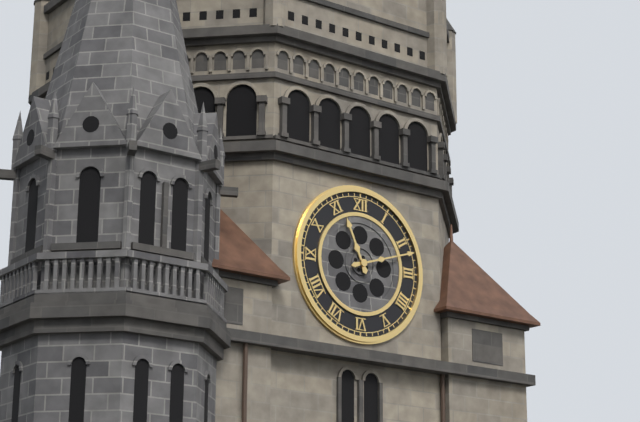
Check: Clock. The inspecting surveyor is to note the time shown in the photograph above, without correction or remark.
11:12
